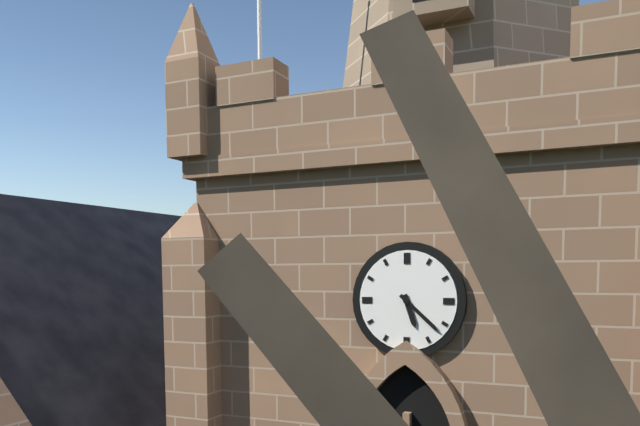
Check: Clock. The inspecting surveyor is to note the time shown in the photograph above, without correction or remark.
5:22
